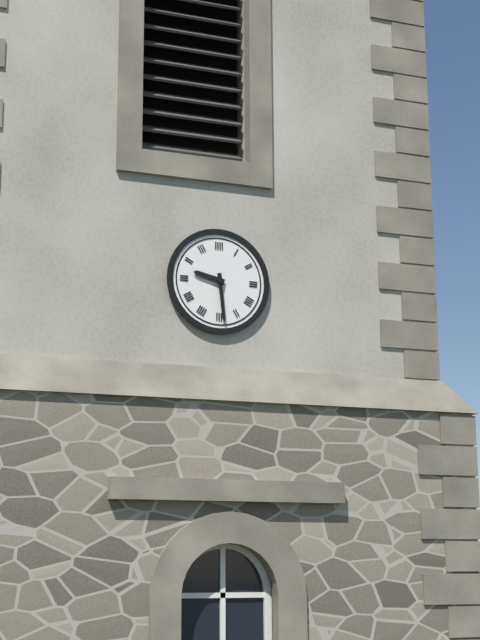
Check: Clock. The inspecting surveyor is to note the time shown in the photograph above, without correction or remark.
9:29
